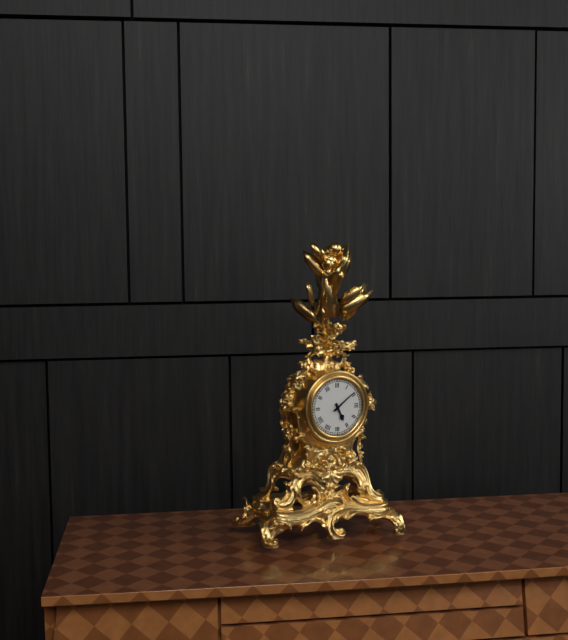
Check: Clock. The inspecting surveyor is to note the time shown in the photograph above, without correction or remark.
5:09
